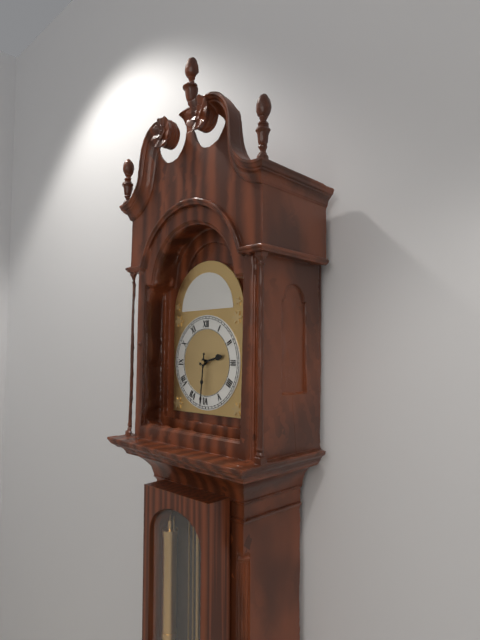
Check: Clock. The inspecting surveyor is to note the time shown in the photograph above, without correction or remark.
2:31
